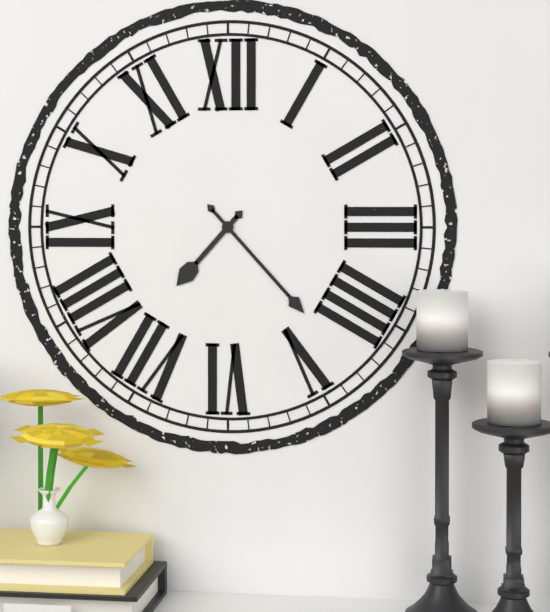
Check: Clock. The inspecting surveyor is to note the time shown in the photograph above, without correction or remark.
7:23
